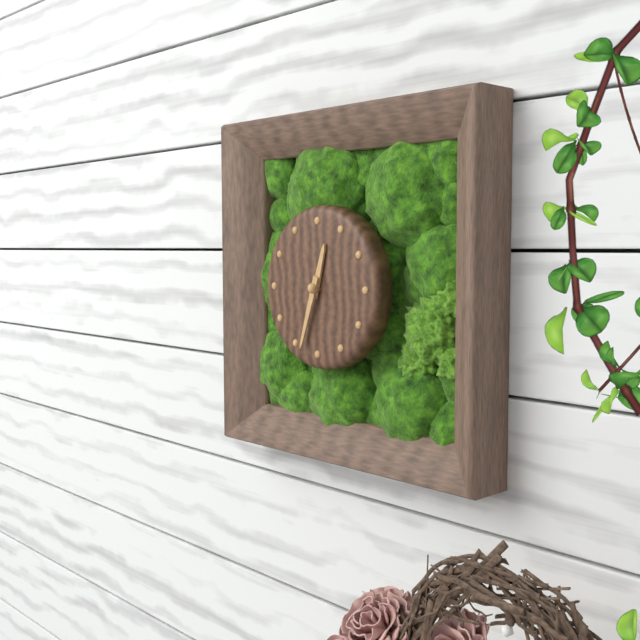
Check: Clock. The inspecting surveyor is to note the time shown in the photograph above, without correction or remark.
12:33
